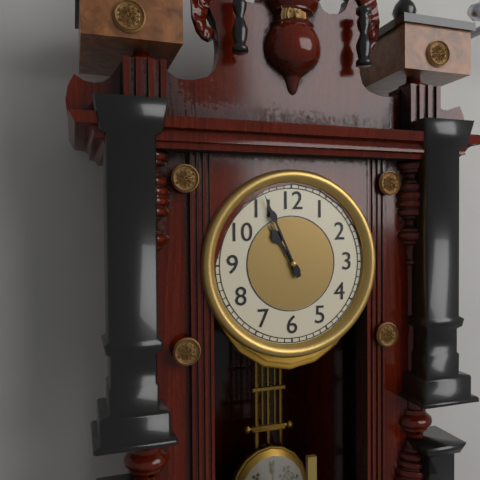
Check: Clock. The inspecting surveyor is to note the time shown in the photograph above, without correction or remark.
10:56
